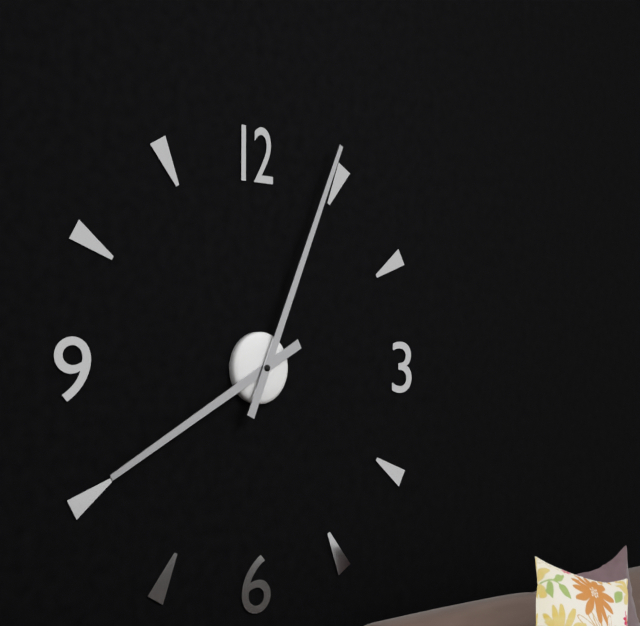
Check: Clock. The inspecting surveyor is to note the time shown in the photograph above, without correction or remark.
8:04
